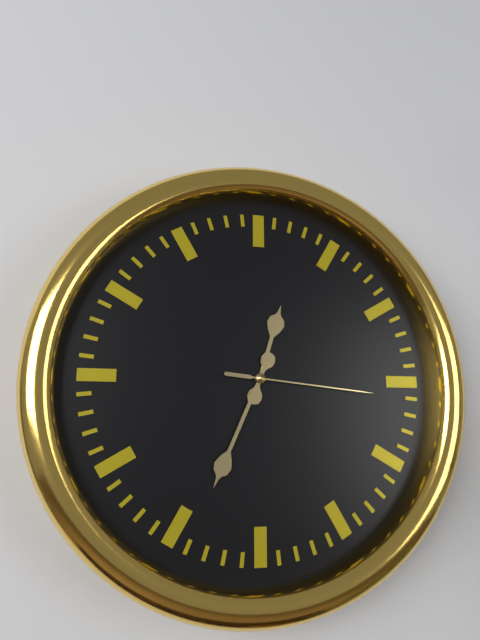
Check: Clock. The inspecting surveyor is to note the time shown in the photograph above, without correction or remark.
12:34:16
